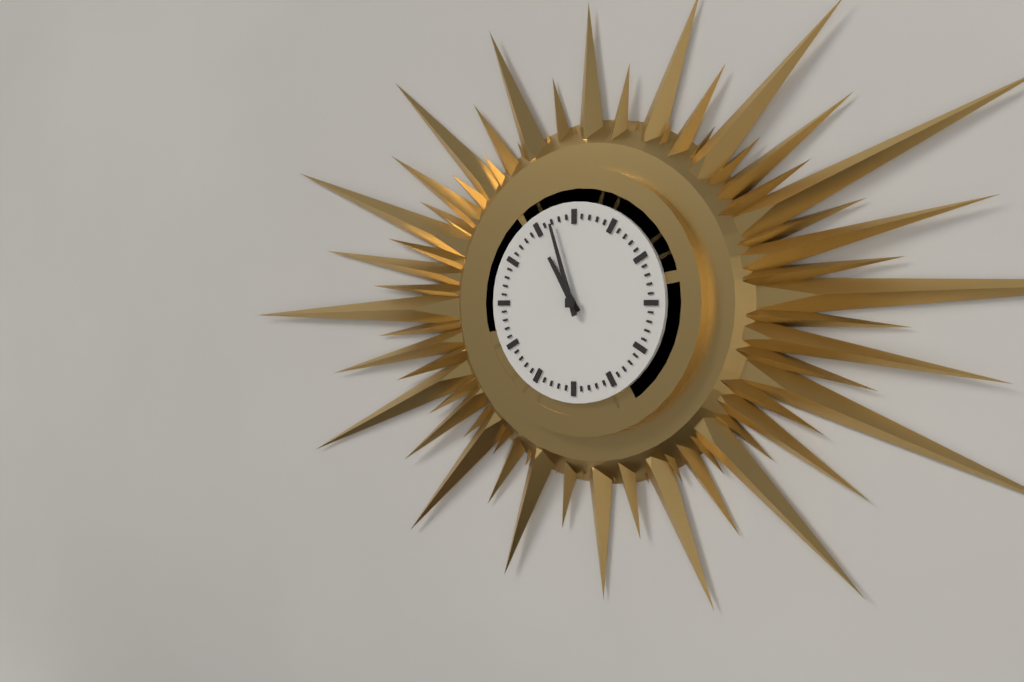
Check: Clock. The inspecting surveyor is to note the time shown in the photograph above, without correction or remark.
10:57
